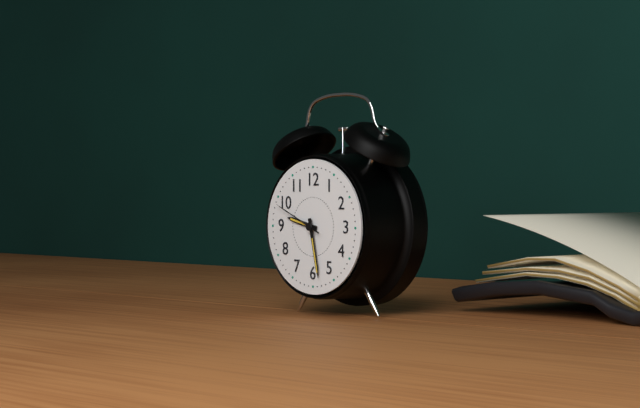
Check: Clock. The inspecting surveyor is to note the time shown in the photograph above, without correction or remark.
9:28:49
